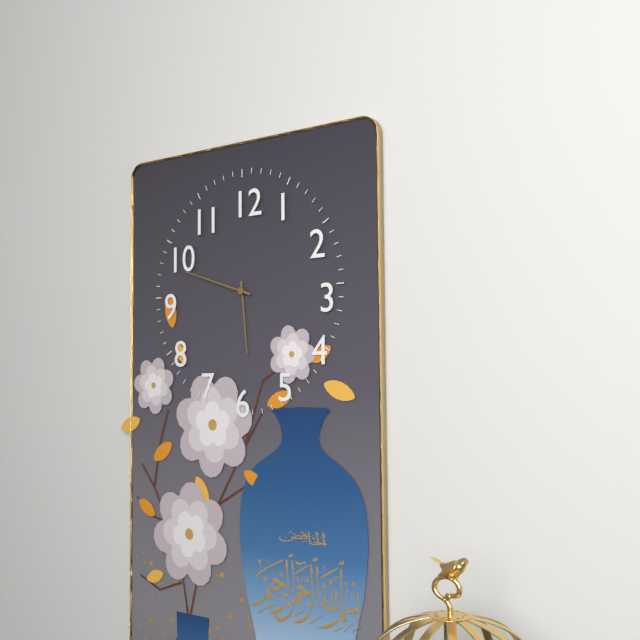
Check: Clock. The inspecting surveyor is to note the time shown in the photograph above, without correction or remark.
5:48
